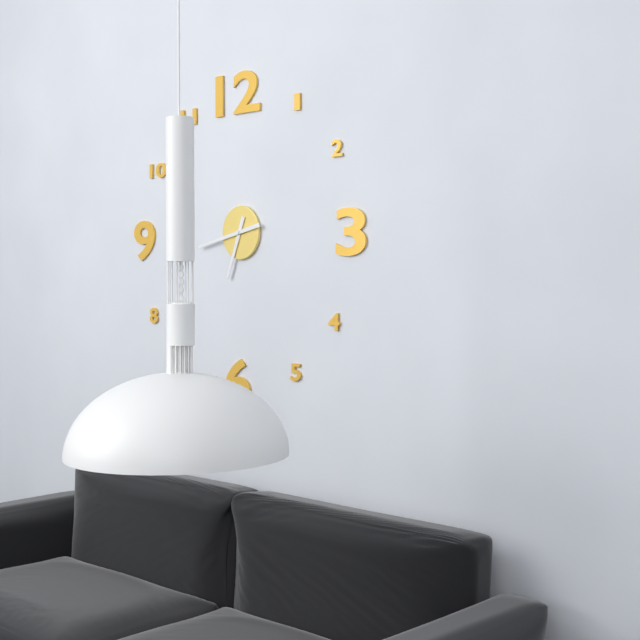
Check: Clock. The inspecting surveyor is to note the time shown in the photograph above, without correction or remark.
6:43
